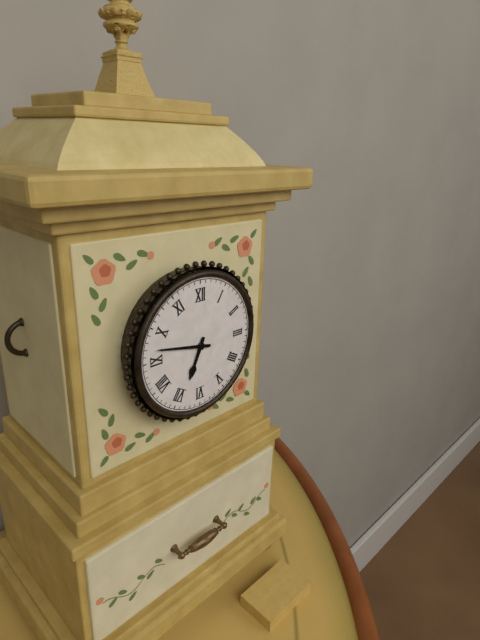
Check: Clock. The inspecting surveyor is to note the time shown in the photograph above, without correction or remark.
6:47
